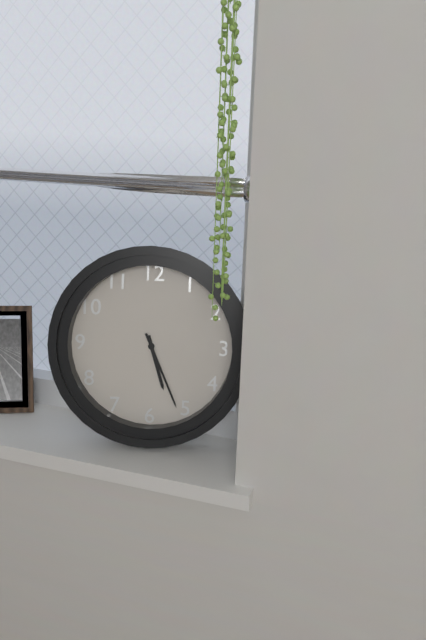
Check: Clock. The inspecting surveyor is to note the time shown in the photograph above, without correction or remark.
5:26
